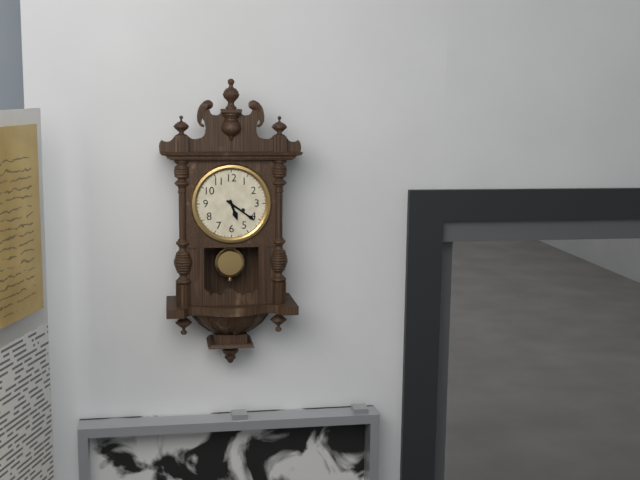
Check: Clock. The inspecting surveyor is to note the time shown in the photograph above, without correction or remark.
5:21
